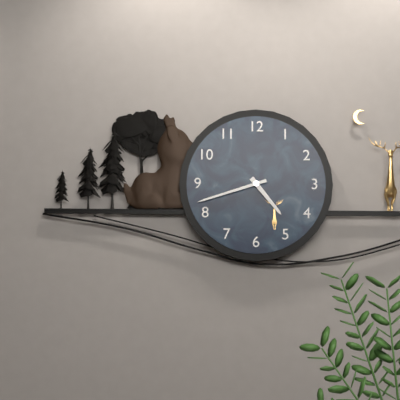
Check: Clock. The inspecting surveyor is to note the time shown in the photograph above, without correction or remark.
4:42
